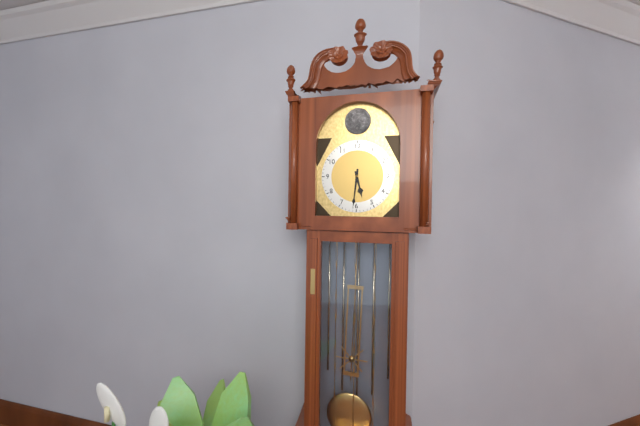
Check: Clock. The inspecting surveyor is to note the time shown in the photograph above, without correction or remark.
5:31
